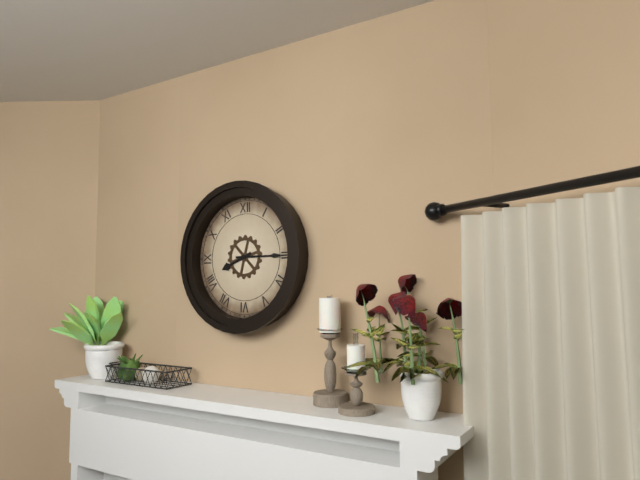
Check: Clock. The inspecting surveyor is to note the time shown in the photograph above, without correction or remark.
8:15
